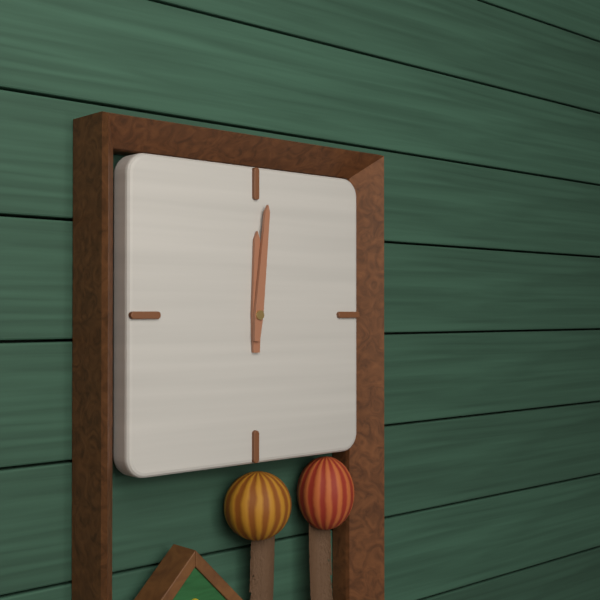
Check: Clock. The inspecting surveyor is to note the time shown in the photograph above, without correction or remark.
12:01
